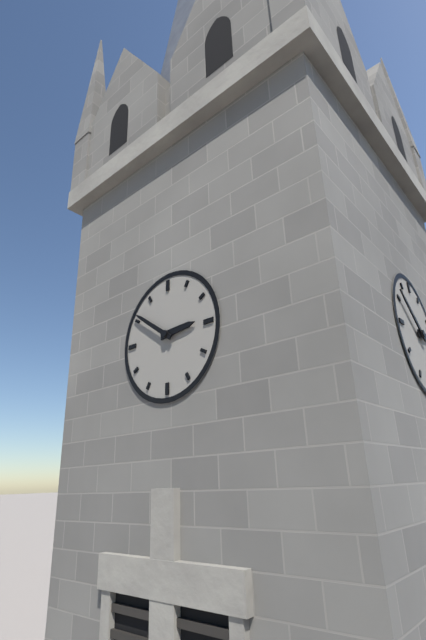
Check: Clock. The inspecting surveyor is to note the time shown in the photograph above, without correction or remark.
2:51
